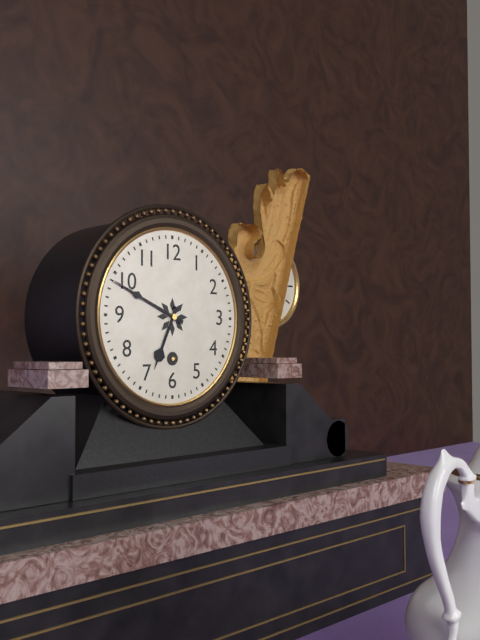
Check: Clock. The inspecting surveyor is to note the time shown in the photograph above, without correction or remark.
6:49
